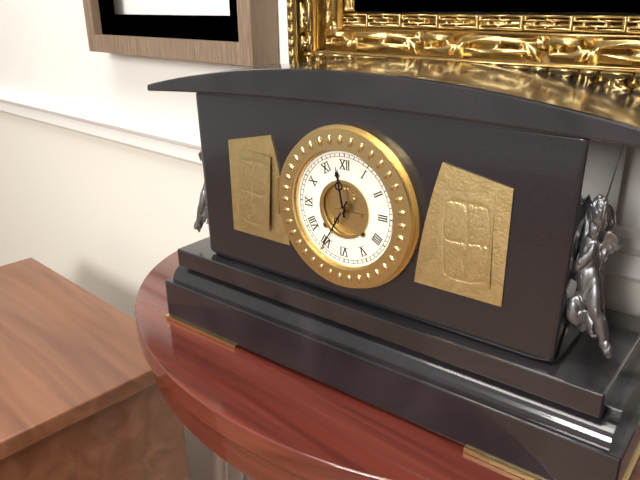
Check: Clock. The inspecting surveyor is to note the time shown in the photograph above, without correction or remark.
11:35
